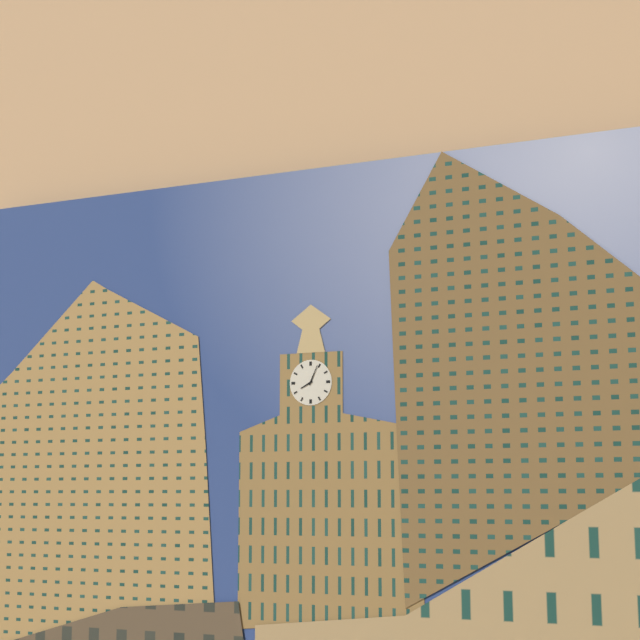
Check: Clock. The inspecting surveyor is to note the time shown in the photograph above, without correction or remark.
8:04
